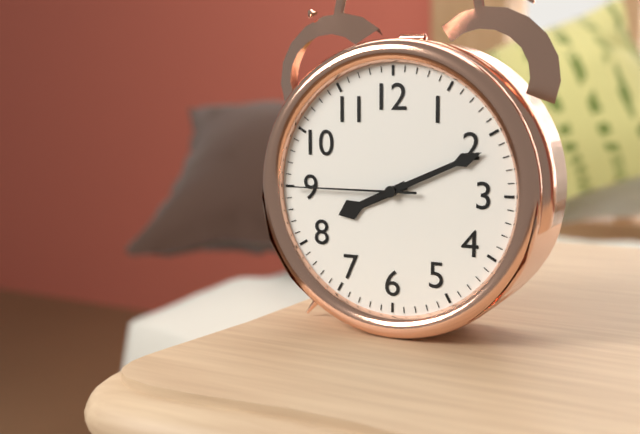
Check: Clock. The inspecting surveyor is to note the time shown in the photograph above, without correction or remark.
8:11:45
